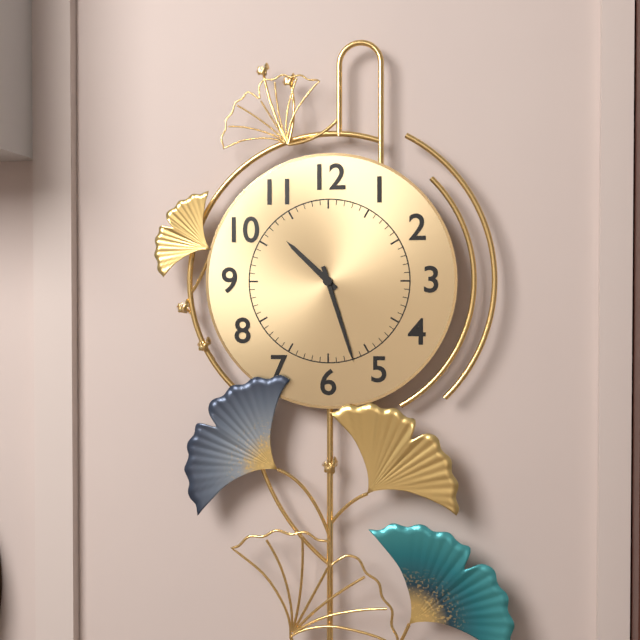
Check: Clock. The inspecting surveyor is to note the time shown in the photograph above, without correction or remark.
10:27
